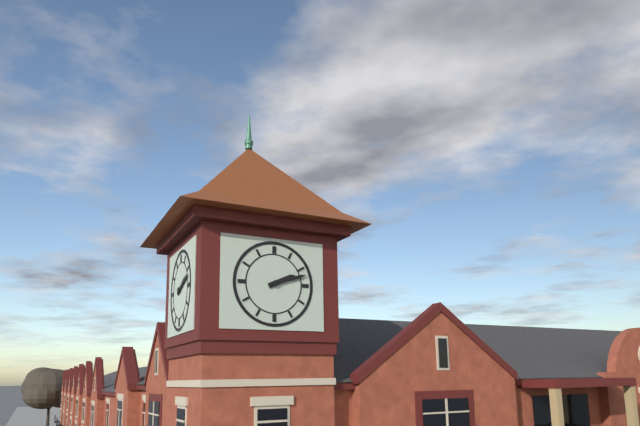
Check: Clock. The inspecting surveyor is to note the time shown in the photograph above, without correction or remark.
2:12
